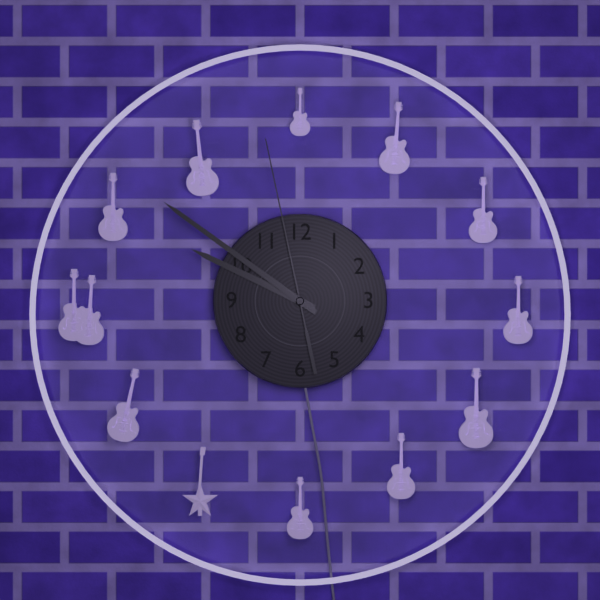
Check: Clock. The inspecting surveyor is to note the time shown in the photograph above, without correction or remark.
9:51:58
